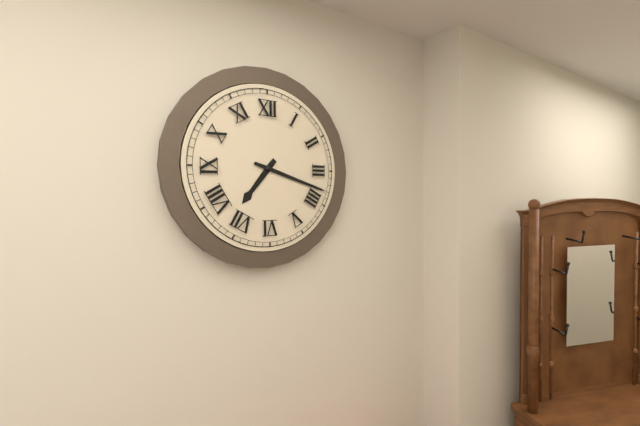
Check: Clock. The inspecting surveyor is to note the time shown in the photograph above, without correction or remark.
7:18
